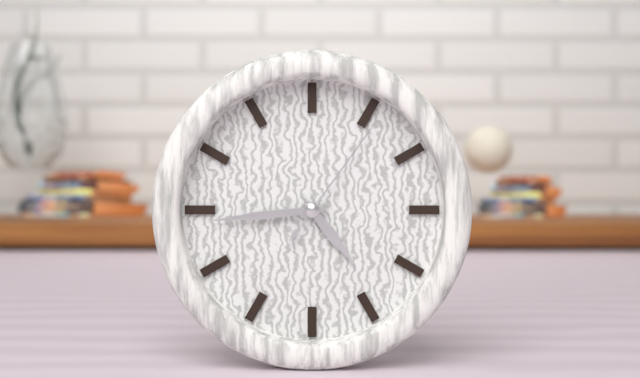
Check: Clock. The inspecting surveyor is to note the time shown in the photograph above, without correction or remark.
4:44:06
